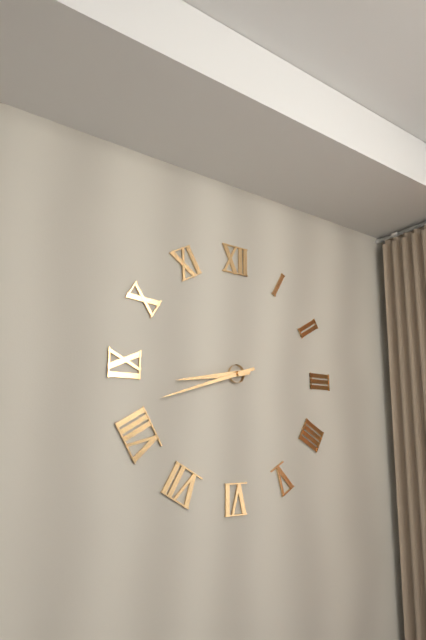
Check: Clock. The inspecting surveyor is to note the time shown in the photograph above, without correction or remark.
8:42
